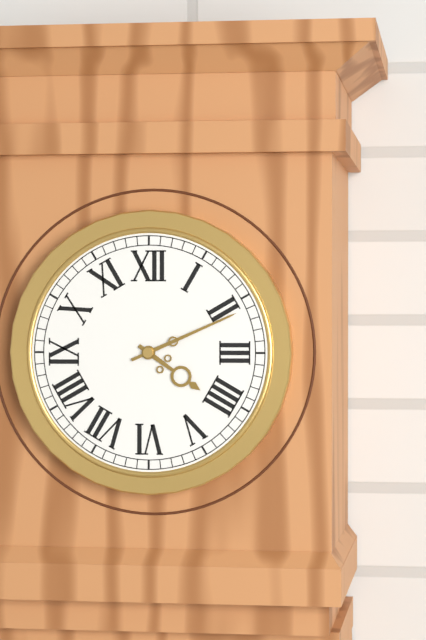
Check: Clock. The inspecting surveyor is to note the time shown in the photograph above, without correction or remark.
4:11
